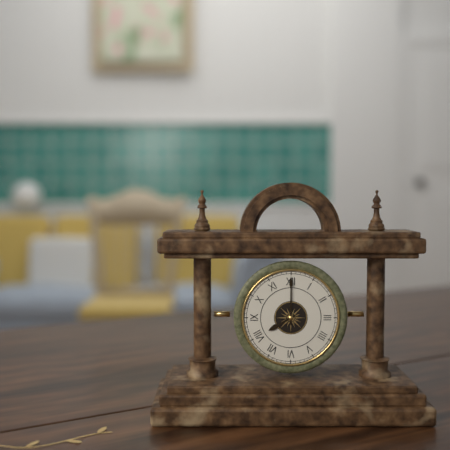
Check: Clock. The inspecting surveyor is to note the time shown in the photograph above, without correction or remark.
8:00
